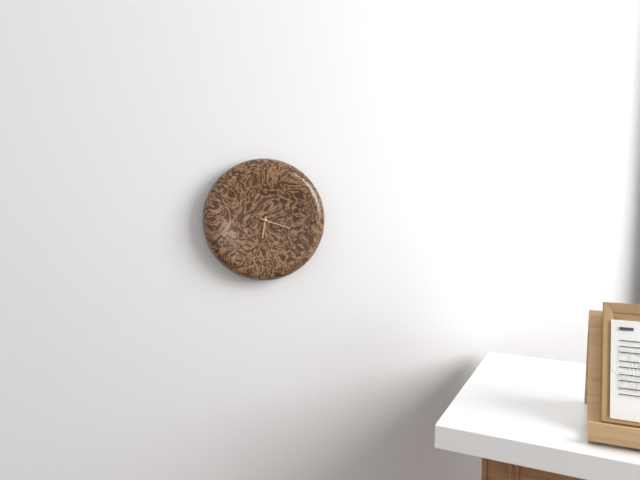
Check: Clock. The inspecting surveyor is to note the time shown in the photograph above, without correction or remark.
6:18
